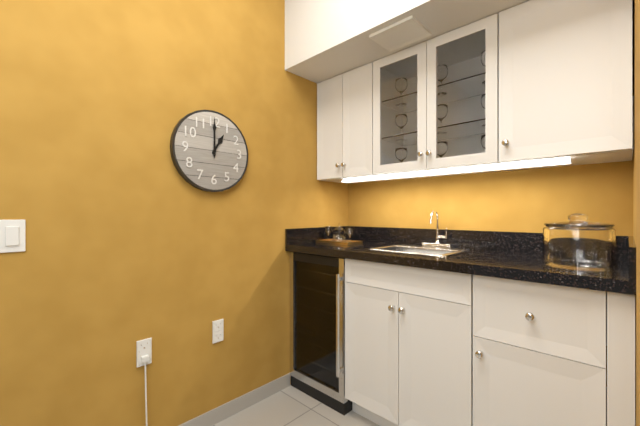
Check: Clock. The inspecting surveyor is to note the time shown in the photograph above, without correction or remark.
1:00
